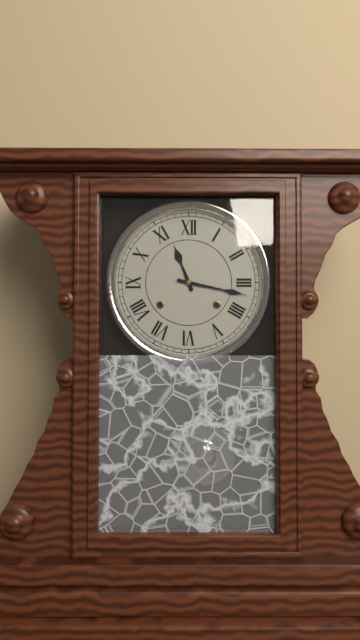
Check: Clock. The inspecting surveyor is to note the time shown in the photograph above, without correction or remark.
11:17
